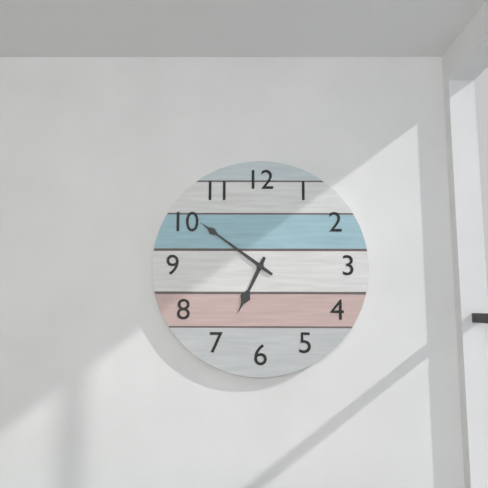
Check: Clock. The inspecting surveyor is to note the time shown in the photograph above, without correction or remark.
6:51
